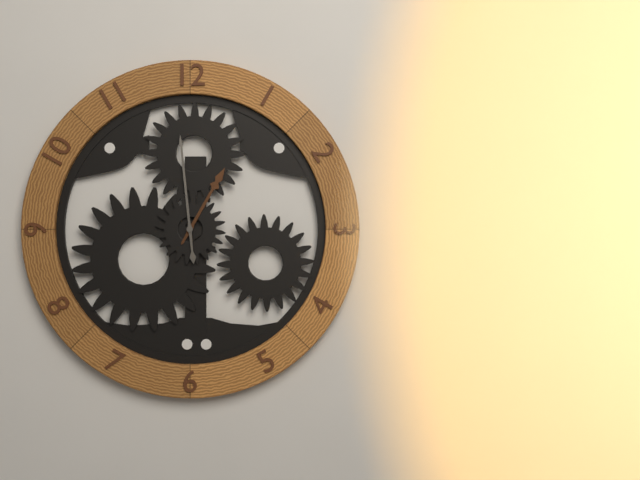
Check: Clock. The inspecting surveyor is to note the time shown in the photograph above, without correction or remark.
12:59
